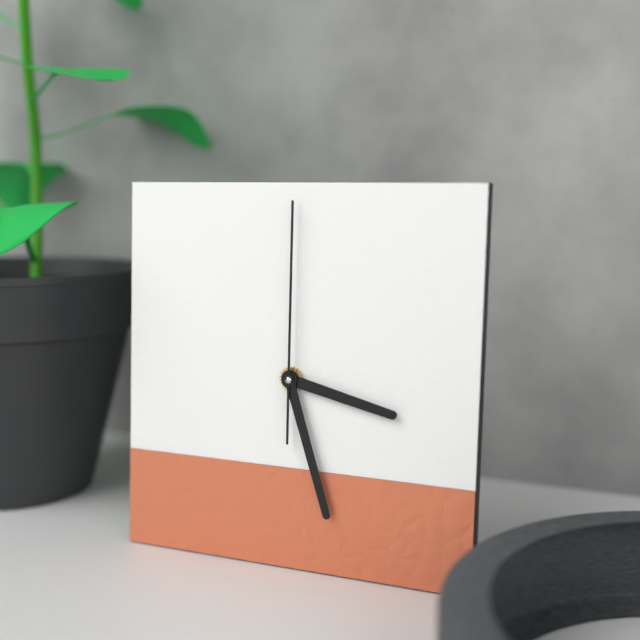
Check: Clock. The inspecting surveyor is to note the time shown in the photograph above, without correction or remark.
3:27:00
